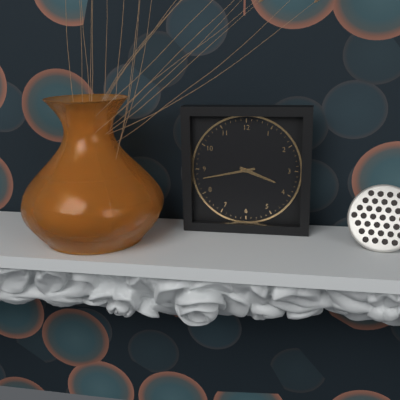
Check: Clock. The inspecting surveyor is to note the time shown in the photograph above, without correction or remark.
3:43
